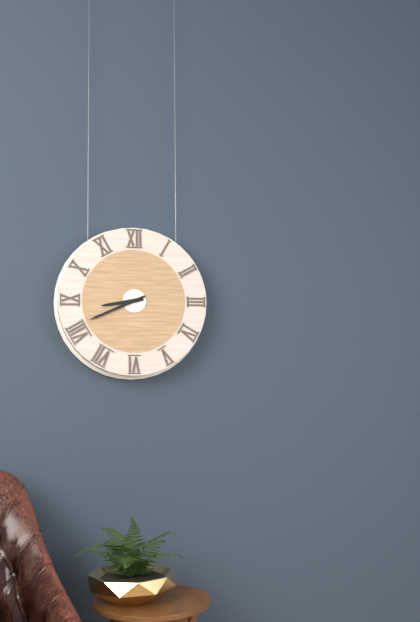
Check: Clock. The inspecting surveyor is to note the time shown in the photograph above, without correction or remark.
8:41
